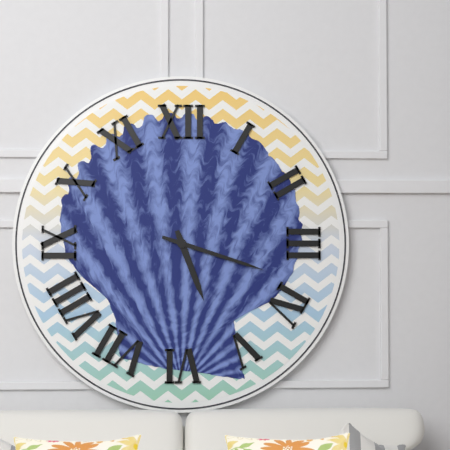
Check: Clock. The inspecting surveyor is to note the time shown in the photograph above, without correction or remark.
5:18
